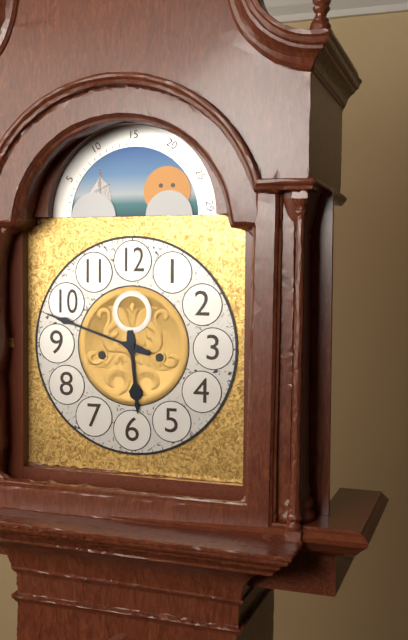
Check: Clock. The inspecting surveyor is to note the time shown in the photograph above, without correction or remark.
5:48
